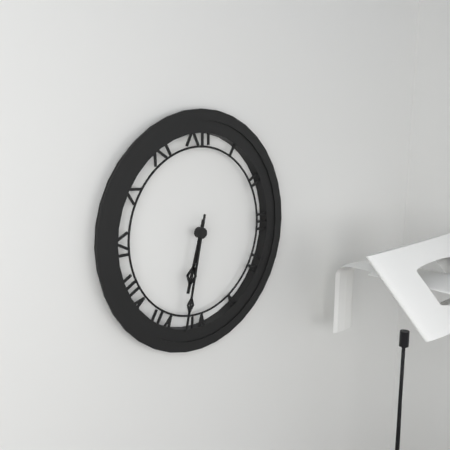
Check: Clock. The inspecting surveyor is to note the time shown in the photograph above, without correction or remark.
6:32
